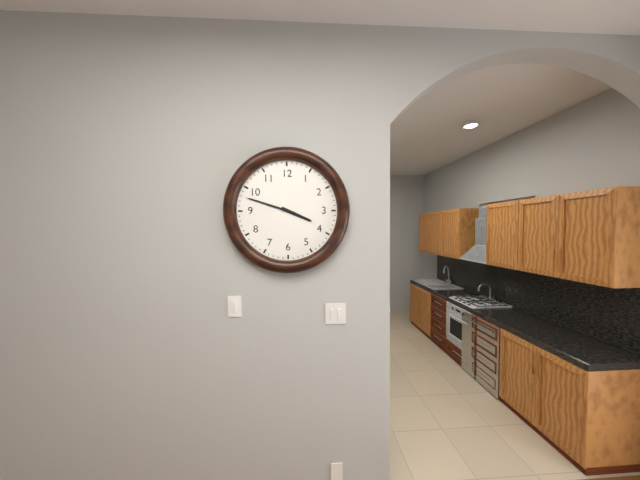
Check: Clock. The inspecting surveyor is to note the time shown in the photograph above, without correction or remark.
3:48
